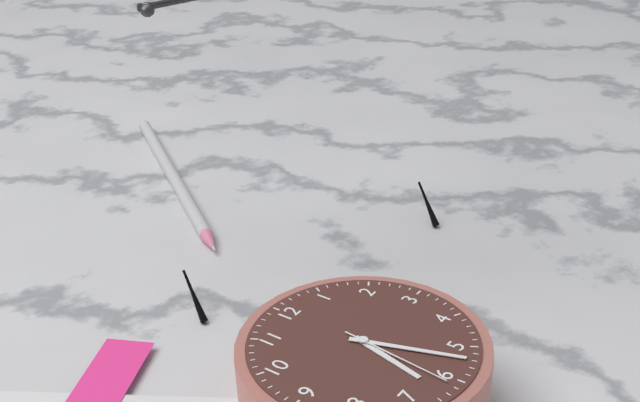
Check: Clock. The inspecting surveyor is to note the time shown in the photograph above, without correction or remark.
6:27:31
